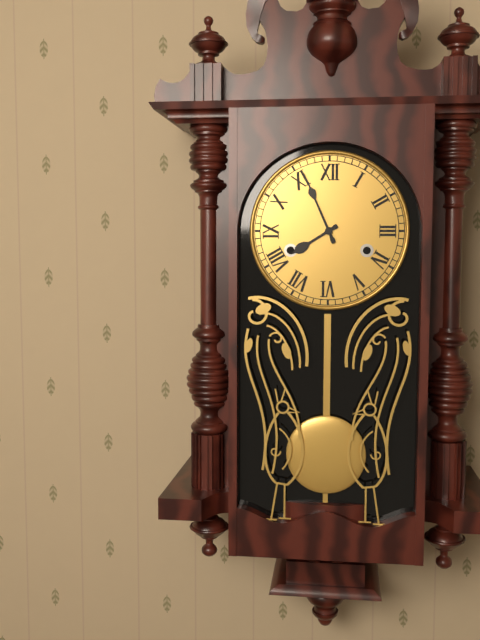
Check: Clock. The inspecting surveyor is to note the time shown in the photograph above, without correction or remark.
7:56
